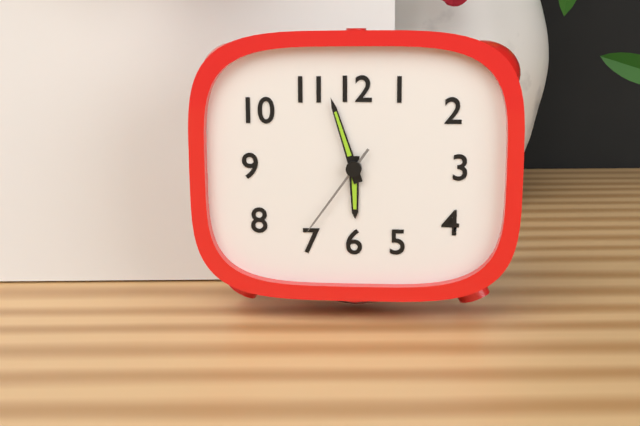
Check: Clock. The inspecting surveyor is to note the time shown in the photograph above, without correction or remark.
5:57:36
